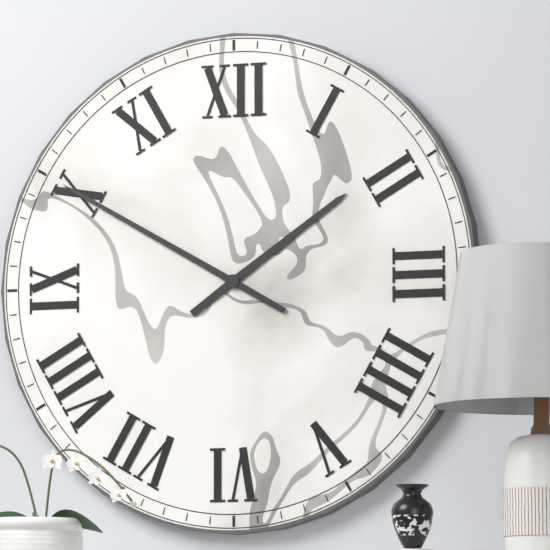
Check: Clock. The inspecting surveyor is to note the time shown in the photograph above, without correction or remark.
1:50
